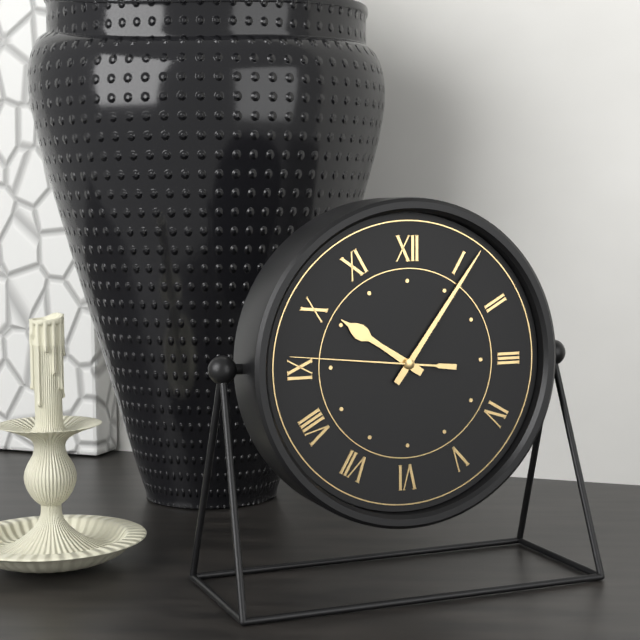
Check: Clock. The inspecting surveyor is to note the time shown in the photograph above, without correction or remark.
10:06:46
